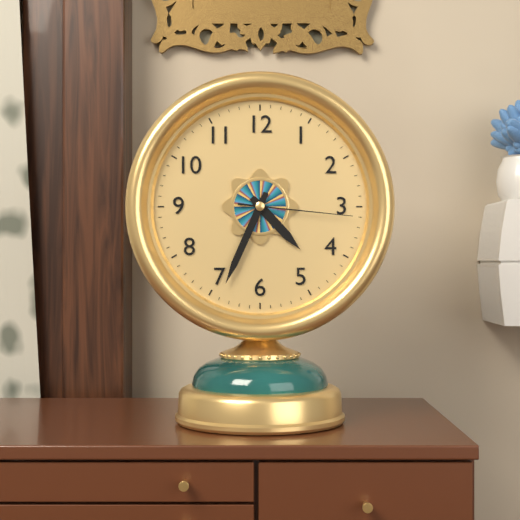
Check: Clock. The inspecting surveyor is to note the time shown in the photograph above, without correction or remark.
4:34:16
